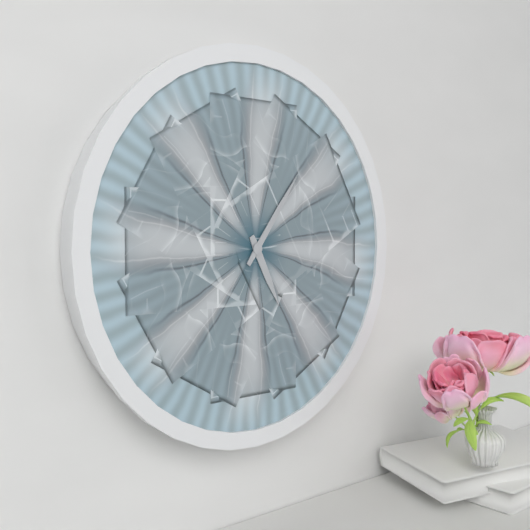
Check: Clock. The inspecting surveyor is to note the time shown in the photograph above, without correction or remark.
5:06
